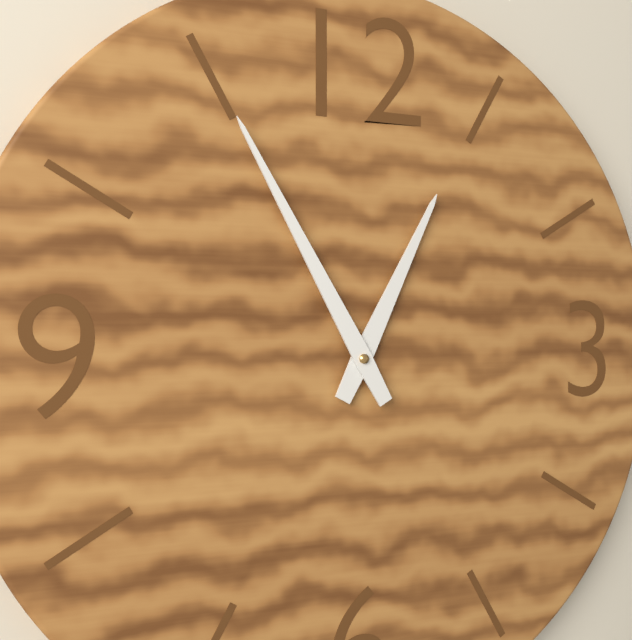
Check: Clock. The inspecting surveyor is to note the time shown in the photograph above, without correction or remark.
12:55
